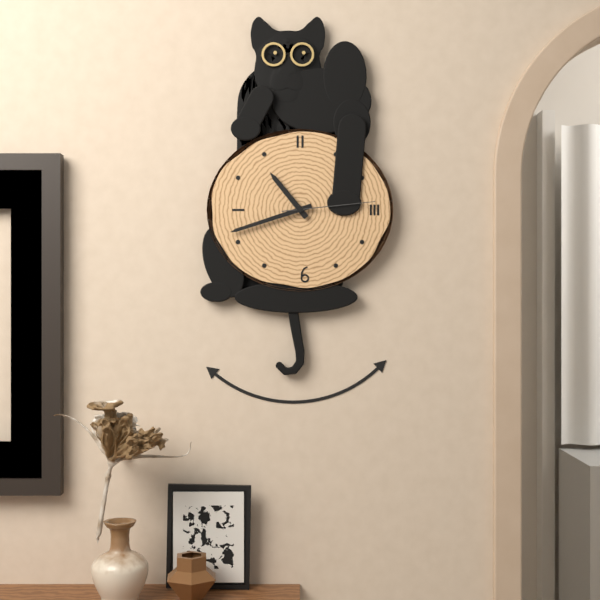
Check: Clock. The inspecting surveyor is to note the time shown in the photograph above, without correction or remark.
10:42:14
